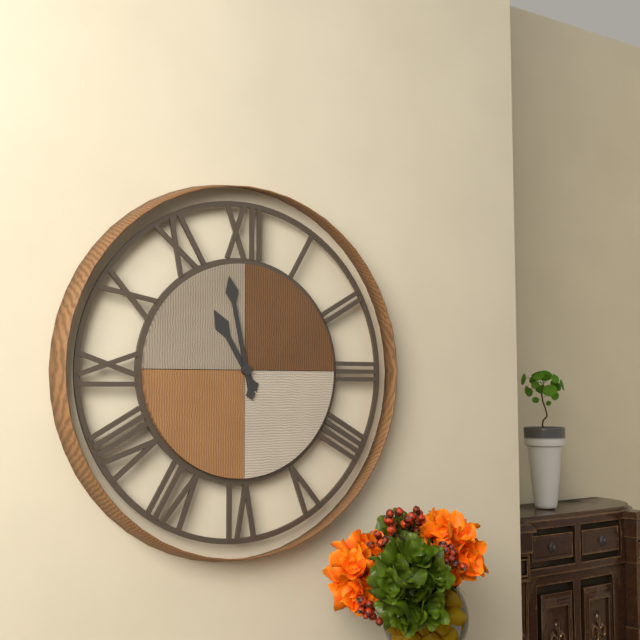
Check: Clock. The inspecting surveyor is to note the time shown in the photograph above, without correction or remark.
10:58
